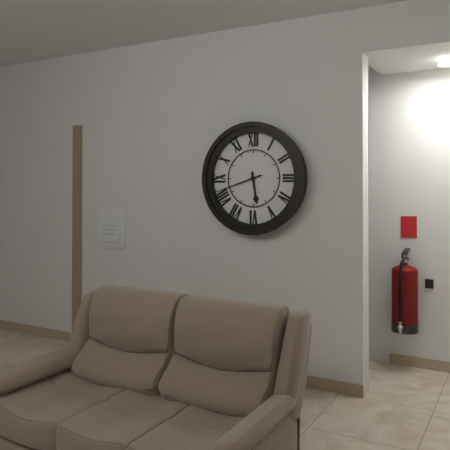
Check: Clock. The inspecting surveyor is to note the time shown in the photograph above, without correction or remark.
5:42
